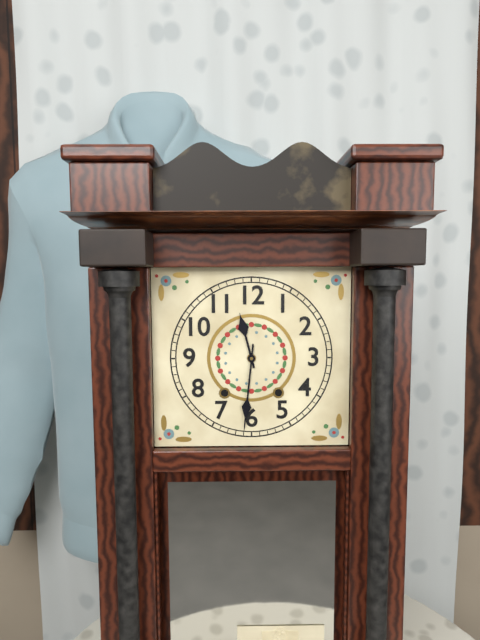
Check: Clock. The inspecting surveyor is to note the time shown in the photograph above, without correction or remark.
11:31
